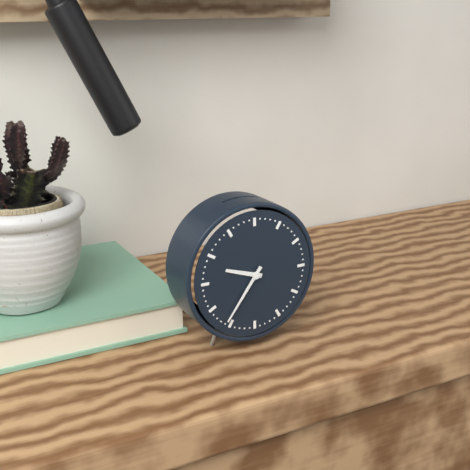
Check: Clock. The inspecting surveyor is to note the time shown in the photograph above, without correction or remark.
9:36
